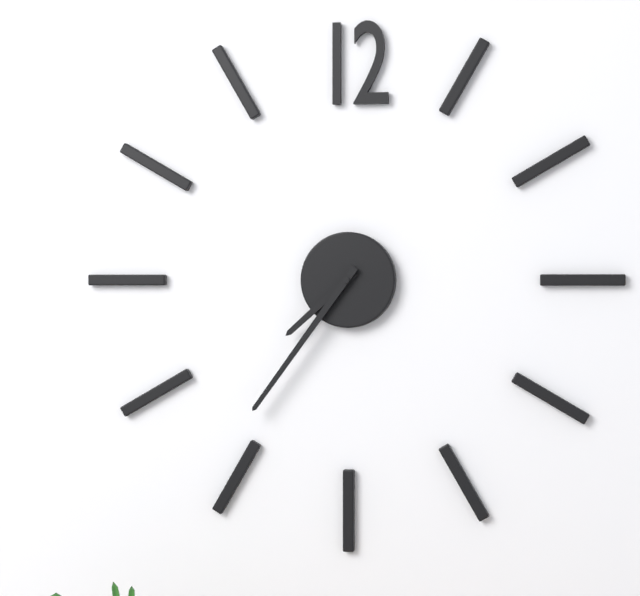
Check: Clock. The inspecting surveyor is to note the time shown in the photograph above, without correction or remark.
7:36
